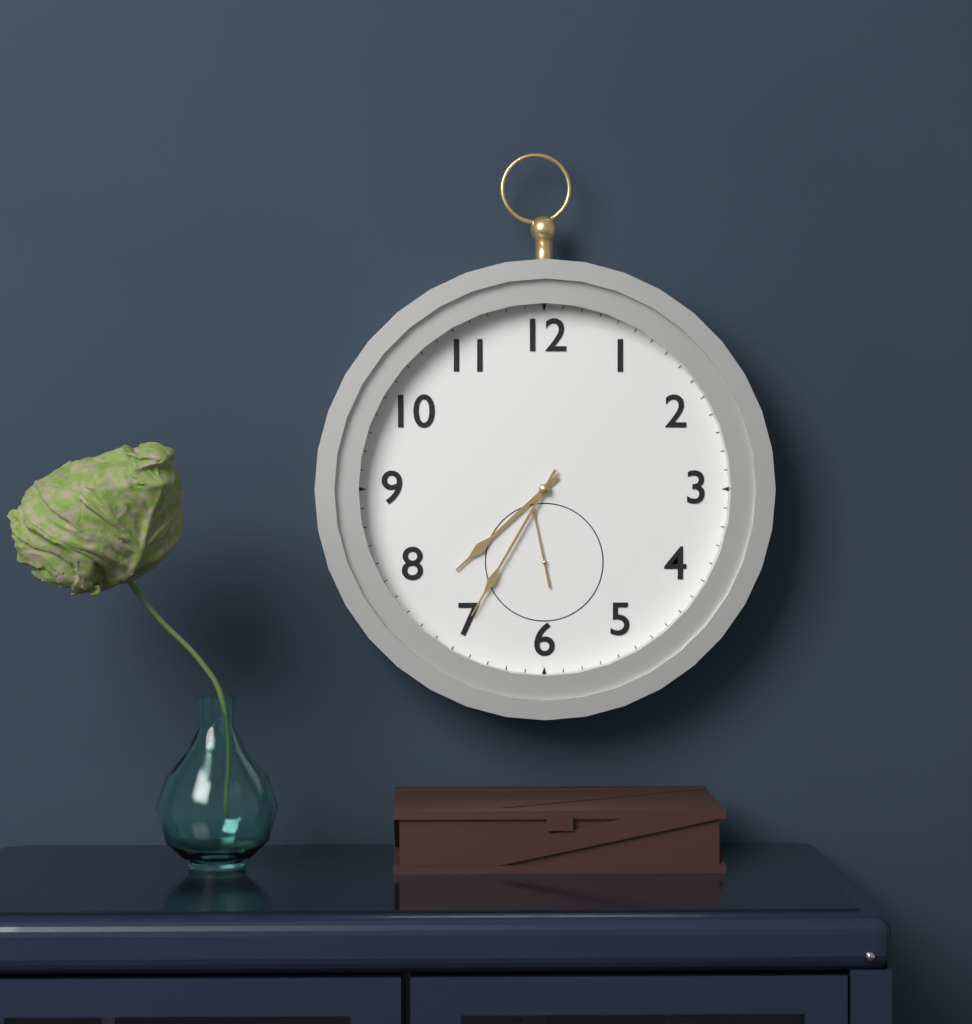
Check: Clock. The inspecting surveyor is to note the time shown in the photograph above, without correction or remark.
7:35:58
